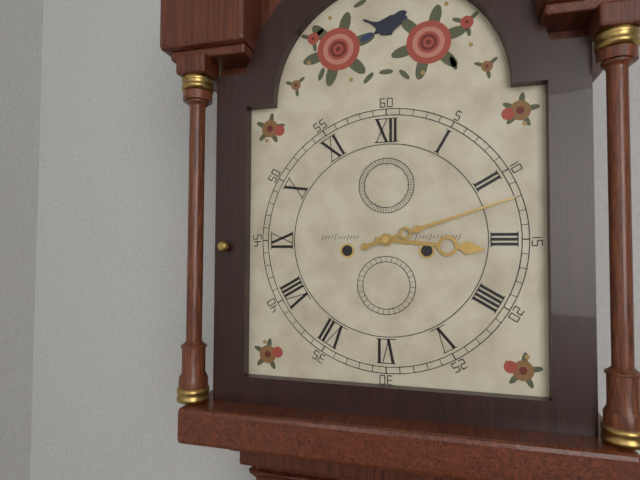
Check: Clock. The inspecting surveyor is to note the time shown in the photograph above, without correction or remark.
3:12
